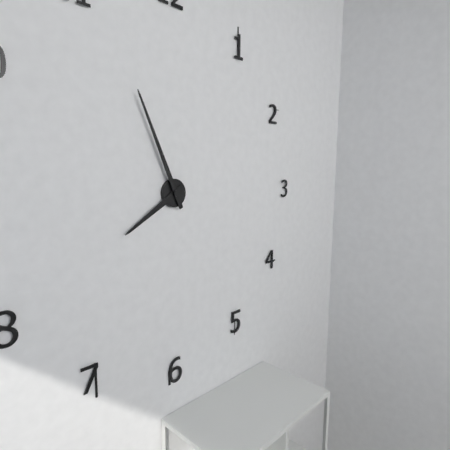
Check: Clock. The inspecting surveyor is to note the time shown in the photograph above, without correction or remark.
7:56
